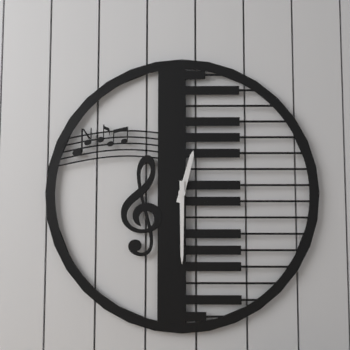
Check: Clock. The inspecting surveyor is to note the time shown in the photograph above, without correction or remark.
12:30
